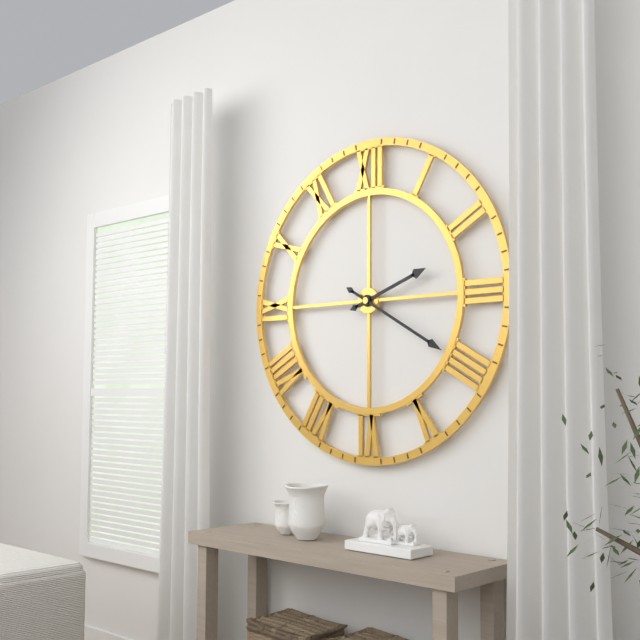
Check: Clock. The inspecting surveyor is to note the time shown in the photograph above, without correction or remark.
2:20
